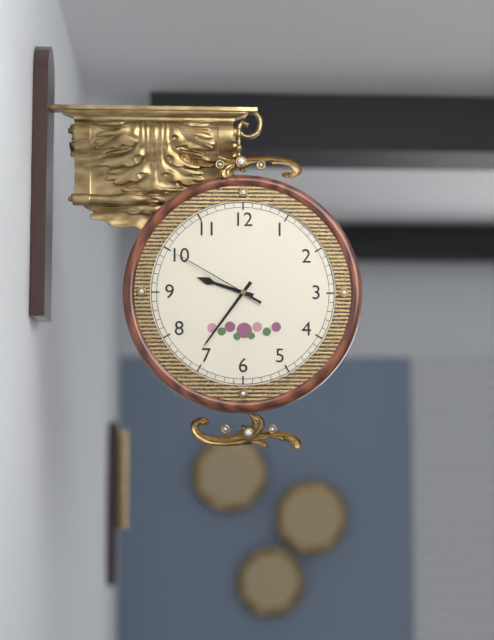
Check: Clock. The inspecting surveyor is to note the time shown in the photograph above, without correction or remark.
9:36:50
